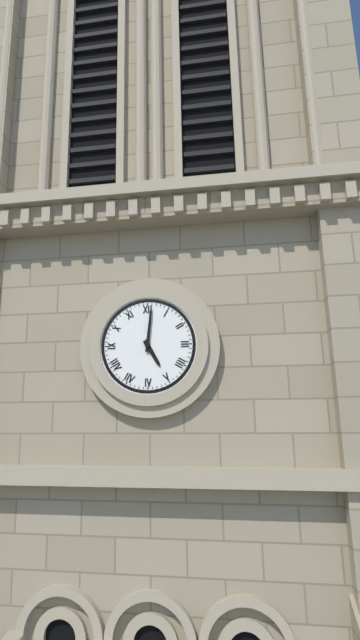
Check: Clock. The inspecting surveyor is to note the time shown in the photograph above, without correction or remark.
5:01
